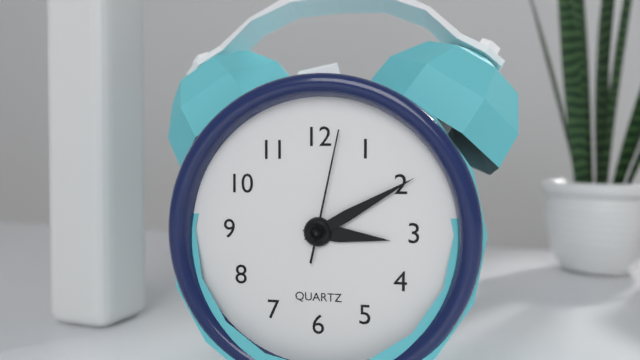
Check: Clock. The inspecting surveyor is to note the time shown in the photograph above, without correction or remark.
3:10:02
